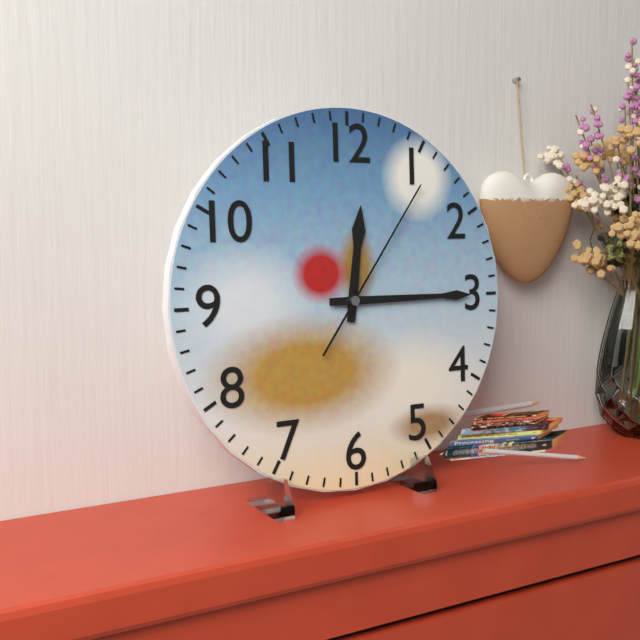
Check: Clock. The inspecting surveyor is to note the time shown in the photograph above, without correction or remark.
12:15:06
